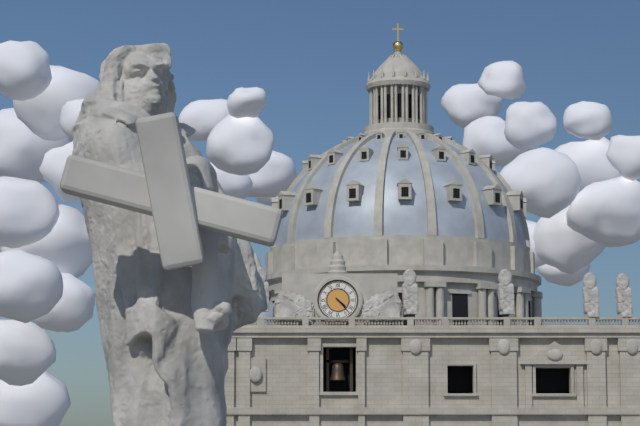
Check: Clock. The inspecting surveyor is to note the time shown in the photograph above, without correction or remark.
4:23
